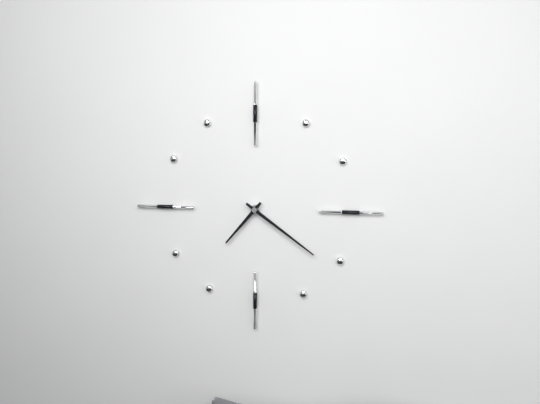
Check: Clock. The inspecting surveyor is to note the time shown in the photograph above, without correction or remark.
7:21
